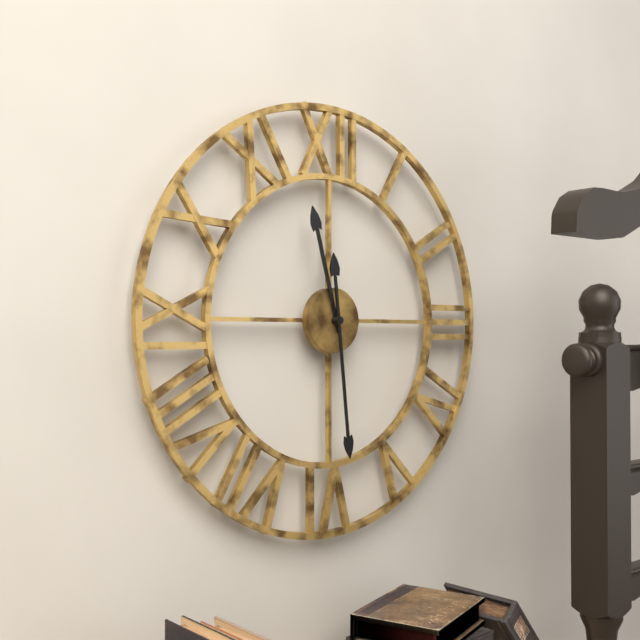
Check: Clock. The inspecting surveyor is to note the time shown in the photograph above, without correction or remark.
11:29
